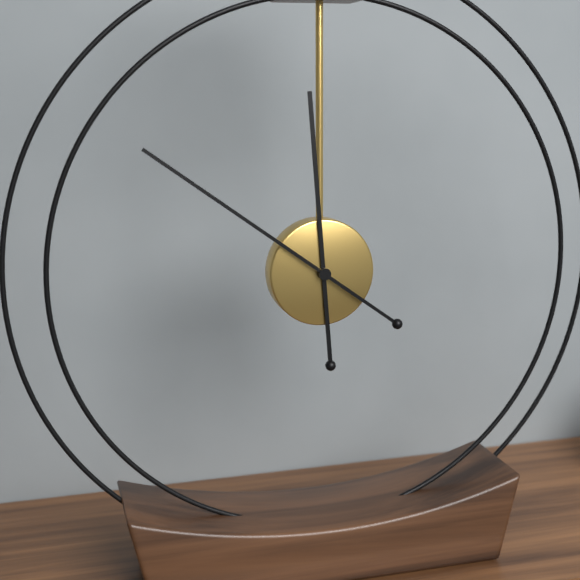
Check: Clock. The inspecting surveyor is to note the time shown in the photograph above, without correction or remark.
11:51
